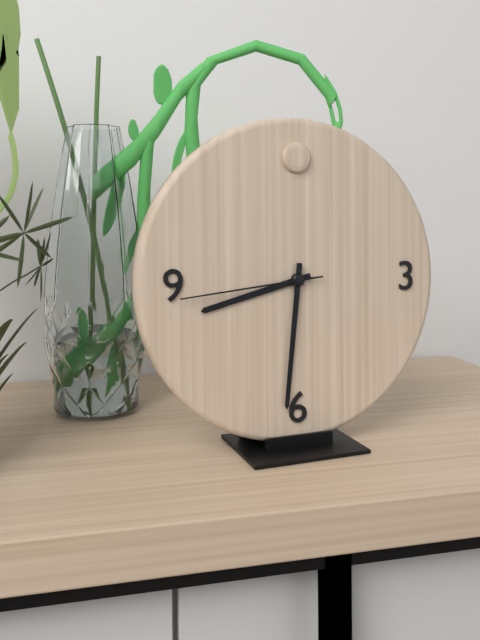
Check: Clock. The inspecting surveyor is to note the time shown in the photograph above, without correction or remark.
8:31:44
